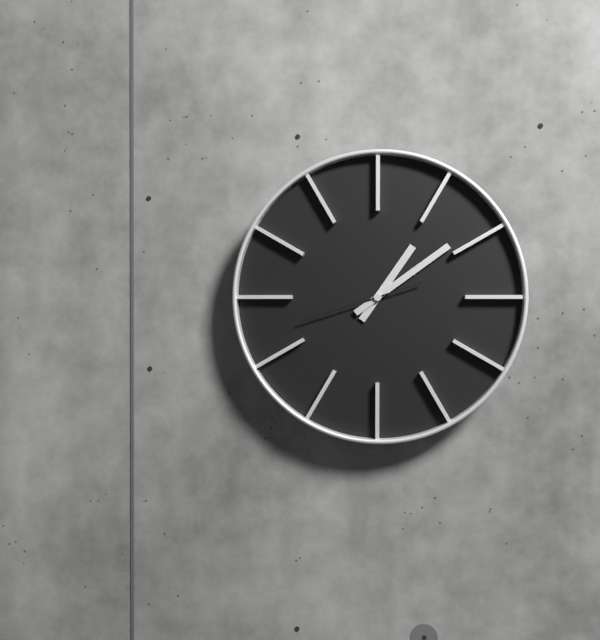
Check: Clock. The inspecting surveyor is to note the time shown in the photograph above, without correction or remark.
1:09:42
